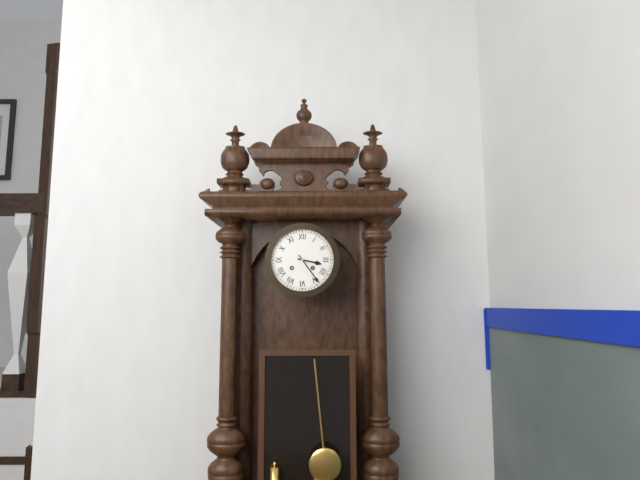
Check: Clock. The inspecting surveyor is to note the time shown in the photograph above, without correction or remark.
3:24
